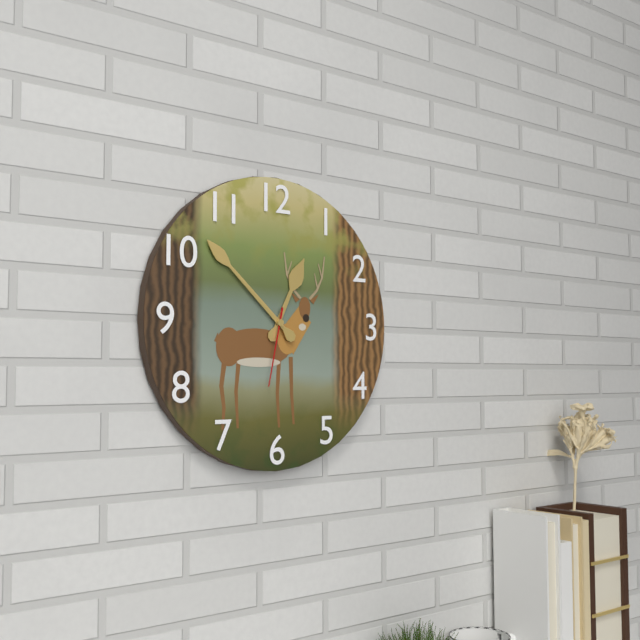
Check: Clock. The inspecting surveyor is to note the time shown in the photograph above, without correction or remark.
12:52:32
